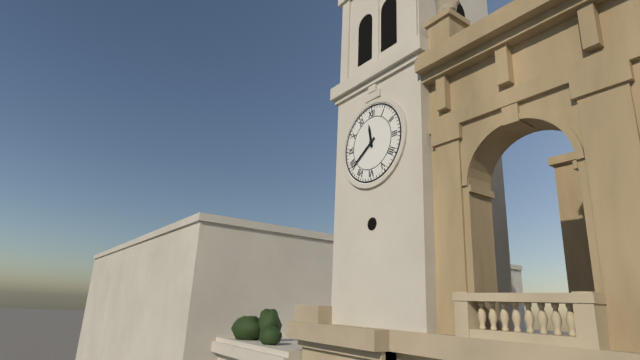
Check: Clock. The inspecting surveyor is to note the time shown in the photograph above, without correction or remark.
11:39
